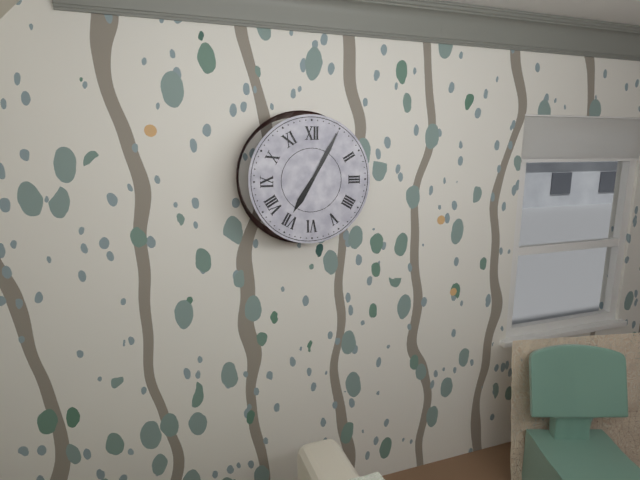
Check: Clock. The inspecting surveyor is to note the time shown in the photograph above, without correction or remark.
7:05
